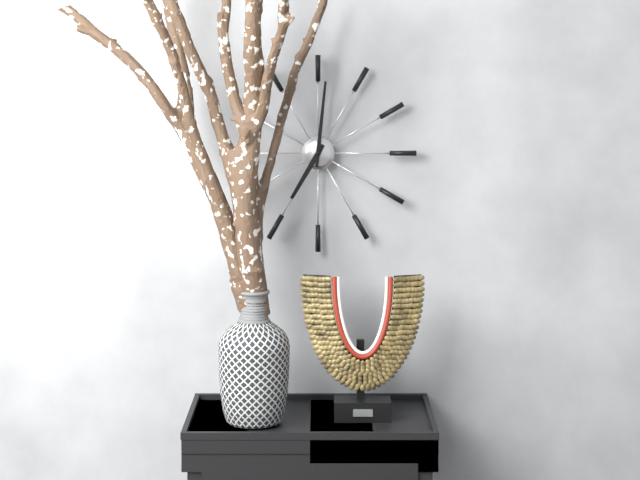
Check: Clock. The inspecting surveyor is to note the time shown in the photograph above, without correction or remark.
7:01
